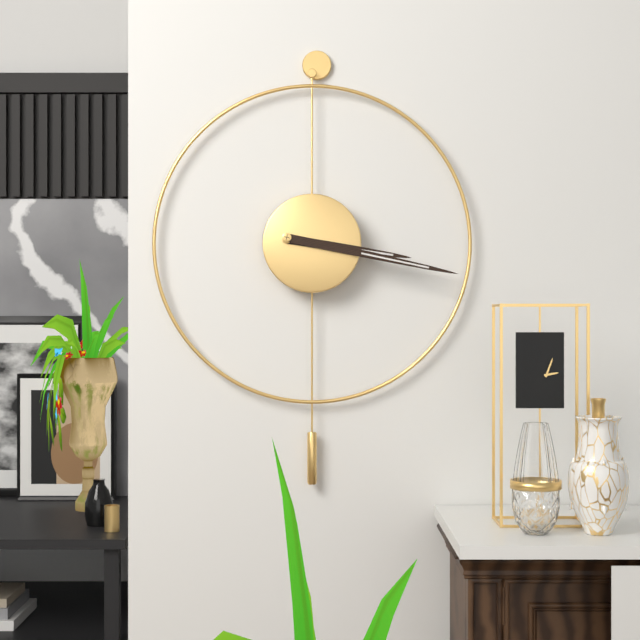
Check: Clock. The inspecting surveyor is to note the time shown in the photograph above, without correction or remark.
3:17
